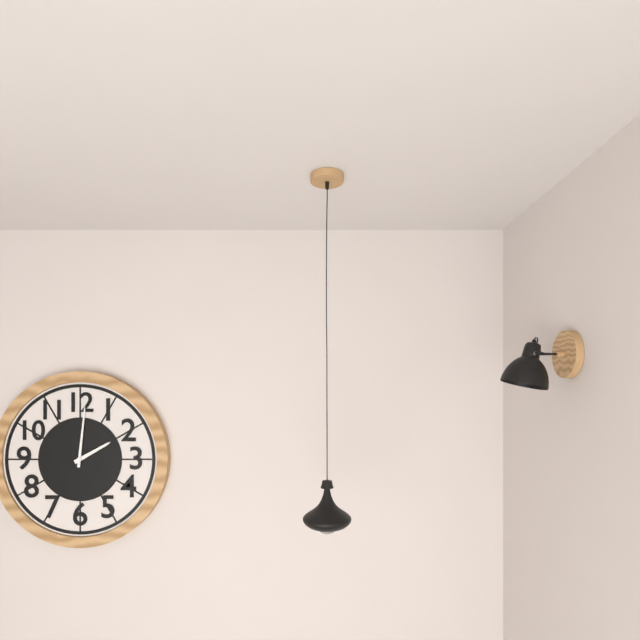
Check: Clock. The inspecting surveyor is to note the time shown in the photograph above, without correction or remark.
2:01
